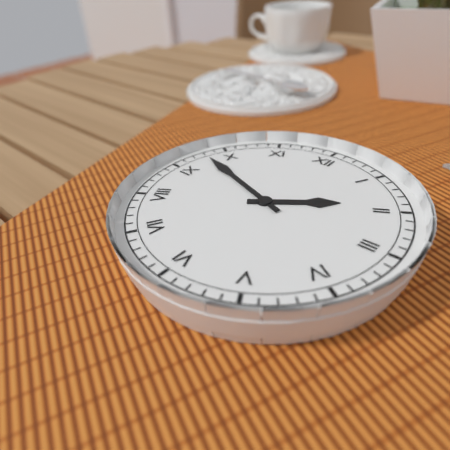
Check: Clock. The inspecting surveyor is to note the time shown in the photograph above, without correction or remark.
1:48
